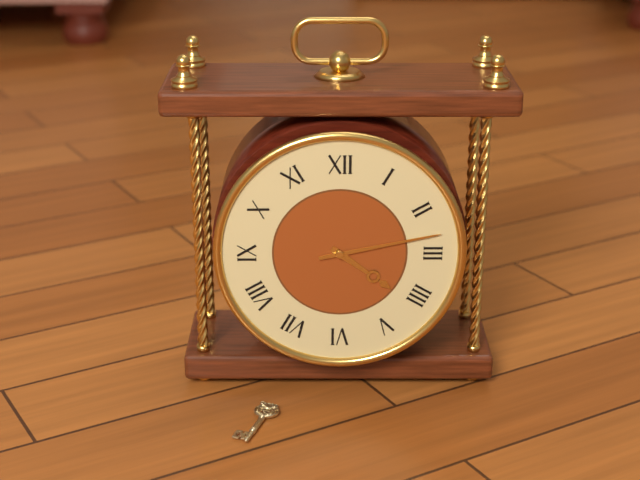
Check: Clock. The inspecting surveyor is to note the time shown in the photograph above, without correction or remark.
4:13
